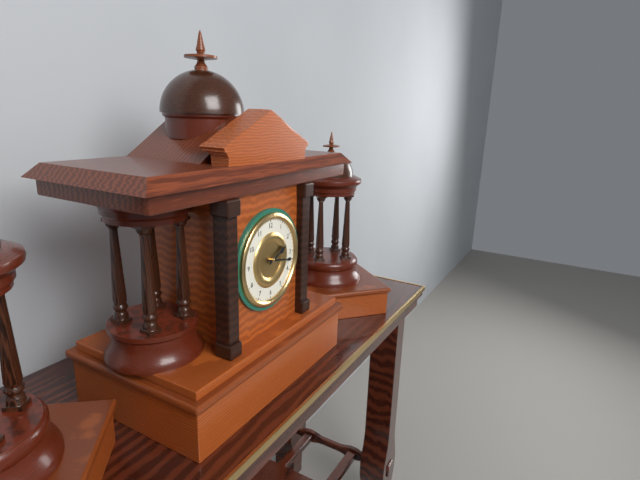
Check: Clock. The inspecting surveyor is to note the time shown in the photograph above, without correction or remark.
2:17
